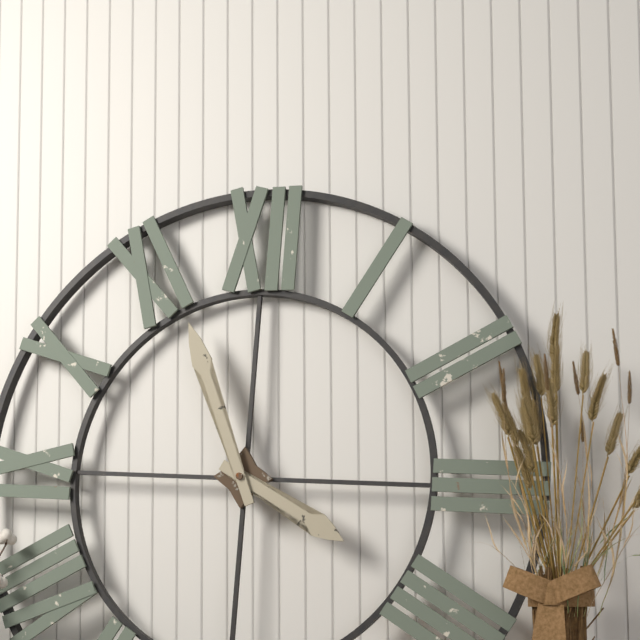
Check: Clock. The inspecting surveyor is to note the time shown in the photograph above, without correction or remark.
3:56
